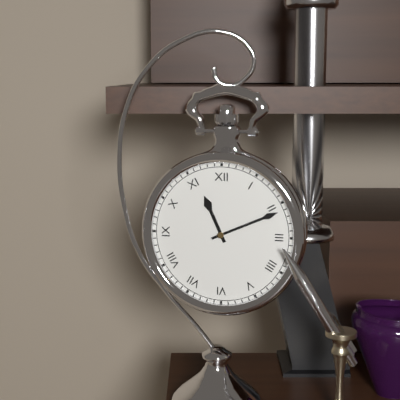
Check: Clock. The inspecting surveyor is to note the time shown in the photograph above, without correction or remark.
11:11
